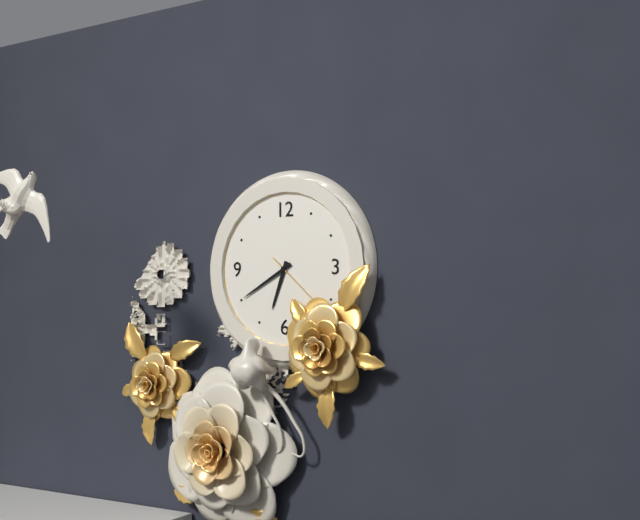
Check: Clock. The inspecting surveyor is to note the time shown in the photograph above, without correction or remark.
6:40
